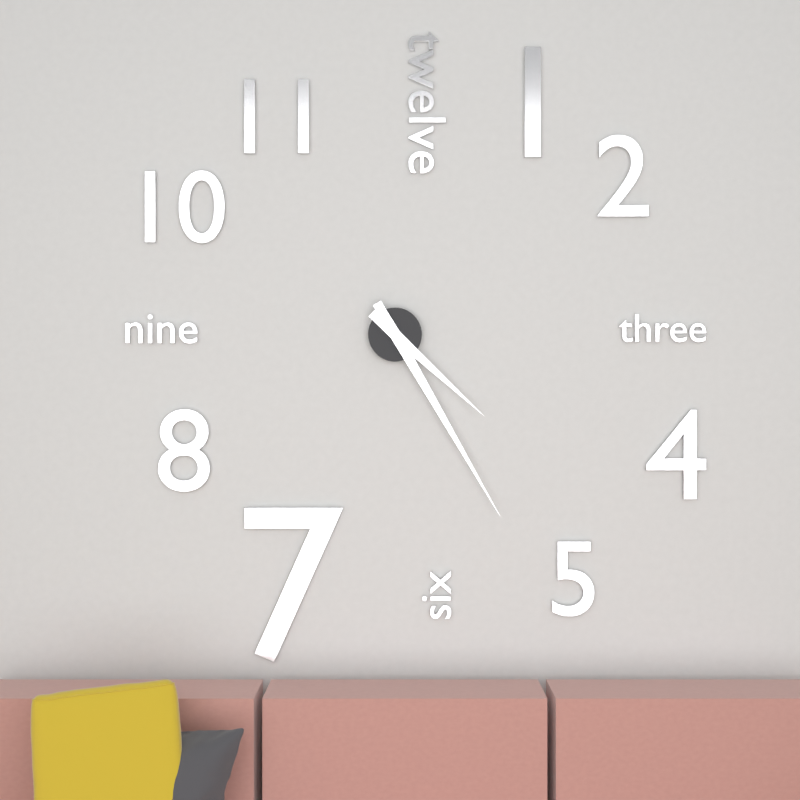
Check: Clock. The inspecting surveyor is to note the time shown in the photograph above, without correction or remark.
4:25
